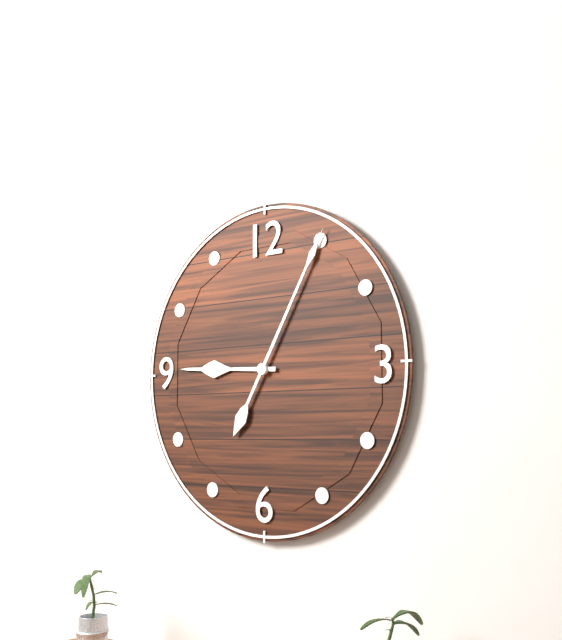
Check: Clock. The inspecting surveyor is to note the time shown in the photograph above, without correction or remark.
9:05
